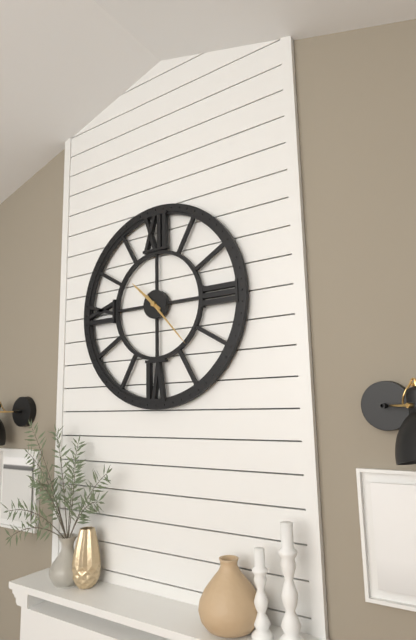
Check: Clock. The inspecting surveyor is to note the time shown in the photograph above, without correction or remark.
10:23
